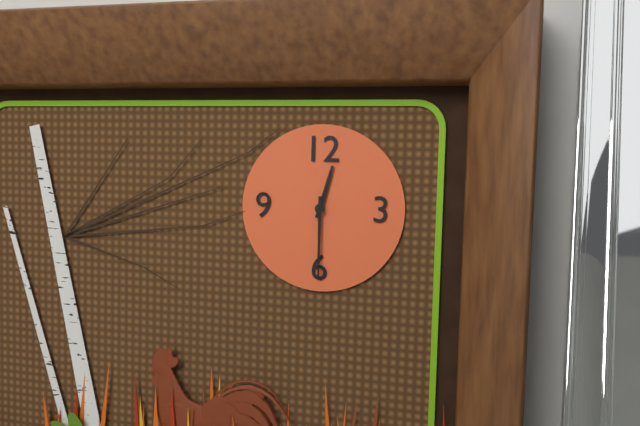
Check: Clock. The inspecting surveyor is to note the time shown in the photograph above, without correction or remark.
12:30
